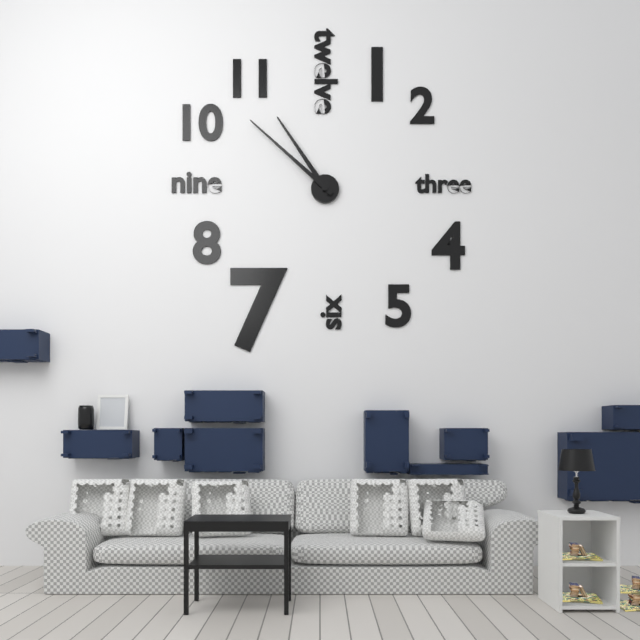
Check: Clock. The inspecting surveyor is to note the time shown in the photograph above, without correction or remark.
10:52
